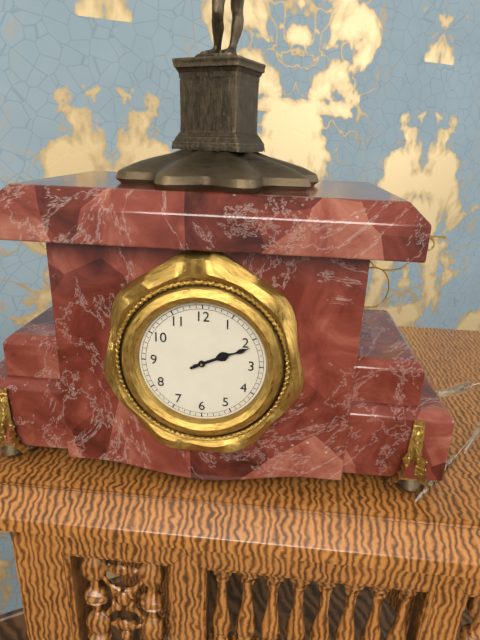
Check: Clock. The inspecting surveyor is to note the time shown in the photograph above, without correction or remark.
2:11
